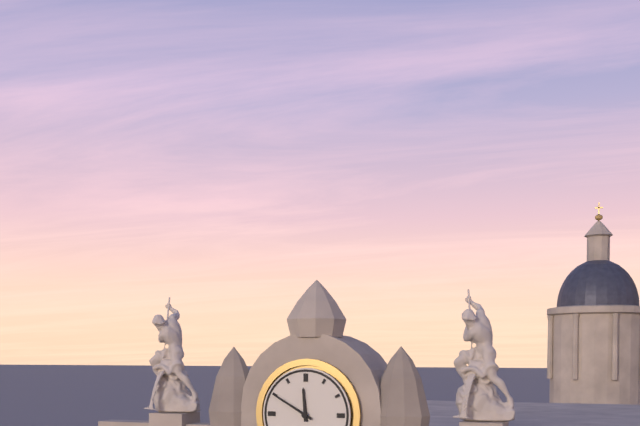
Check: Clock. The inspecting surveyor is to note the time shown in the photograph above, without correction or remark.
11:50
